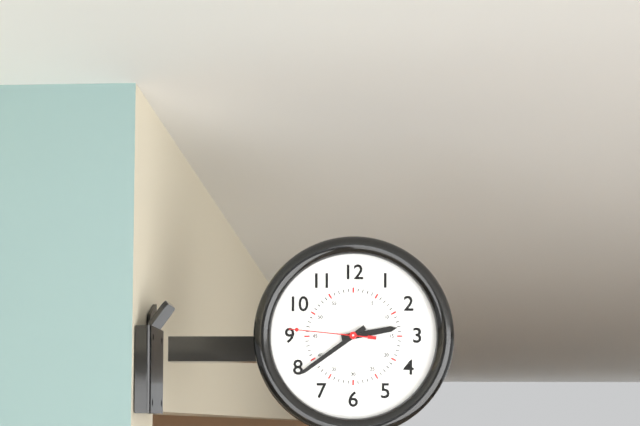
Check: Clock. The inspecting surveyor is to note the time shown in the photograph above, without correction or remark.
2:39:46
